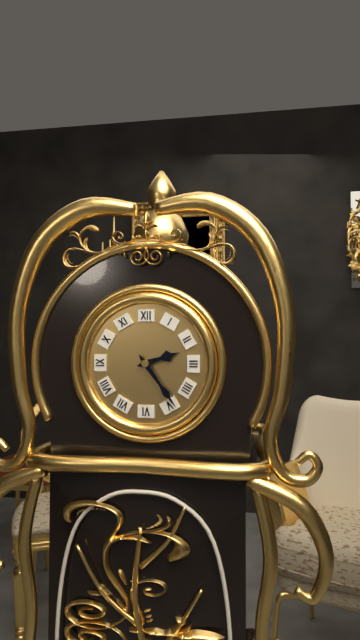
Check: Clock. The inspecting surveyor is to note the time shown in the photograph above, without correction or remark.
2:24
